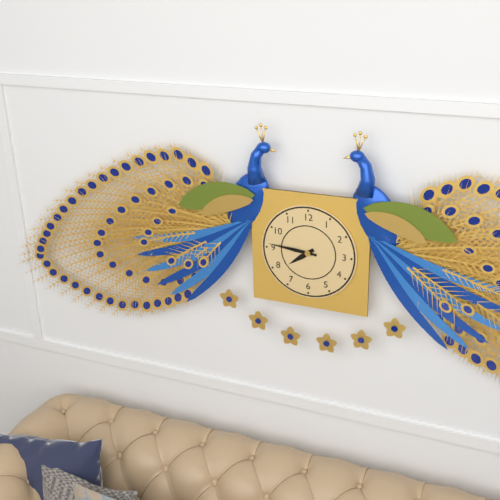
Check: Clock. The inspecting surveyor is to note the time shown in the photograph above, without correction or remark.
7:46
